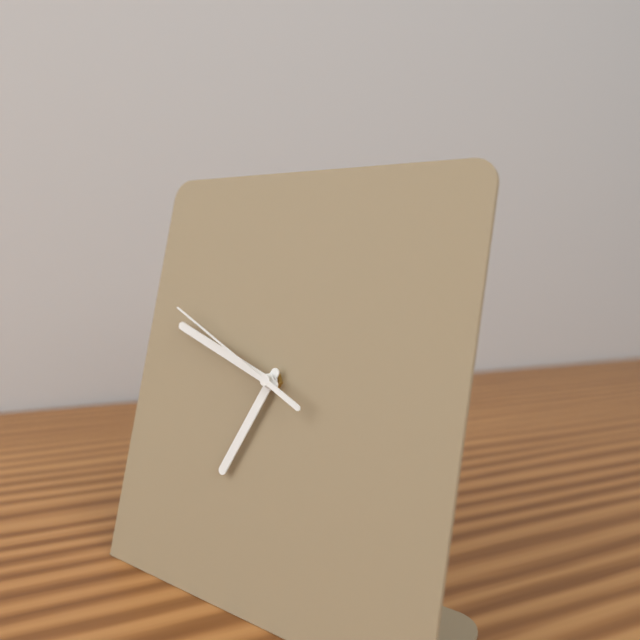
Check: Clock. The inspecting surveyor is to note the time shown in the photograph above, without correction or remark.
6:48:49
